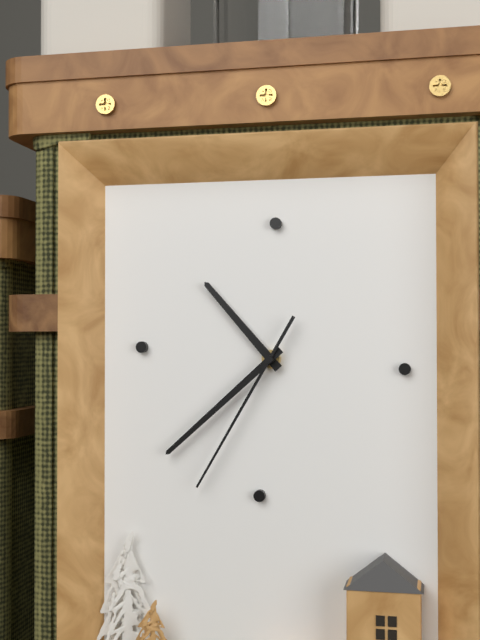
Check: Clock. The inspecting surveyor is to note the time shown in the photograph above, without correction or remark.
10:38:35
